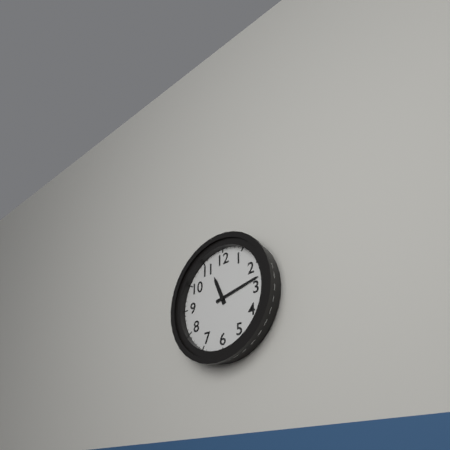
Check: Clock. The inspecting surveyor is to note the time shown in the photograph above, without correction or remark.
11:13
